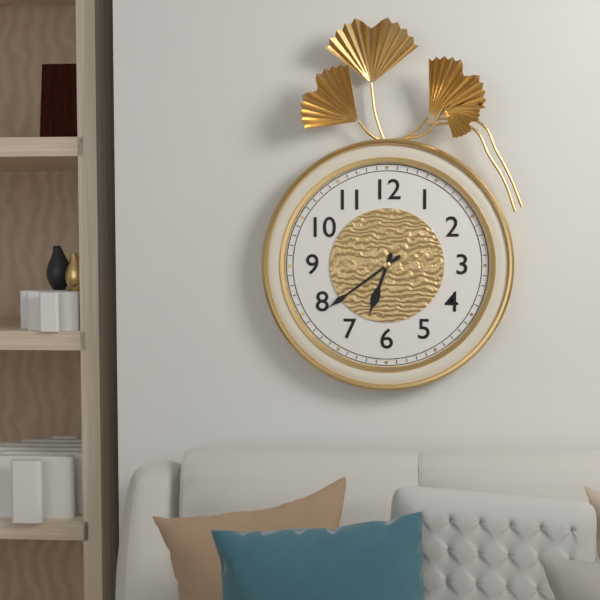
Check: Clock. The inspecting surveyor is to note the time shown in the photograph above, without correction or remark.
6:39
